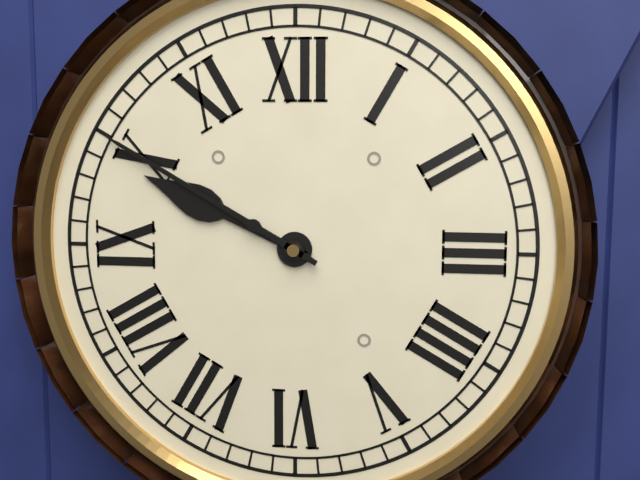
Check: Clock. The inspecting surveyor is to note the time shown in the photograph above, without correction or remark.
9:50
